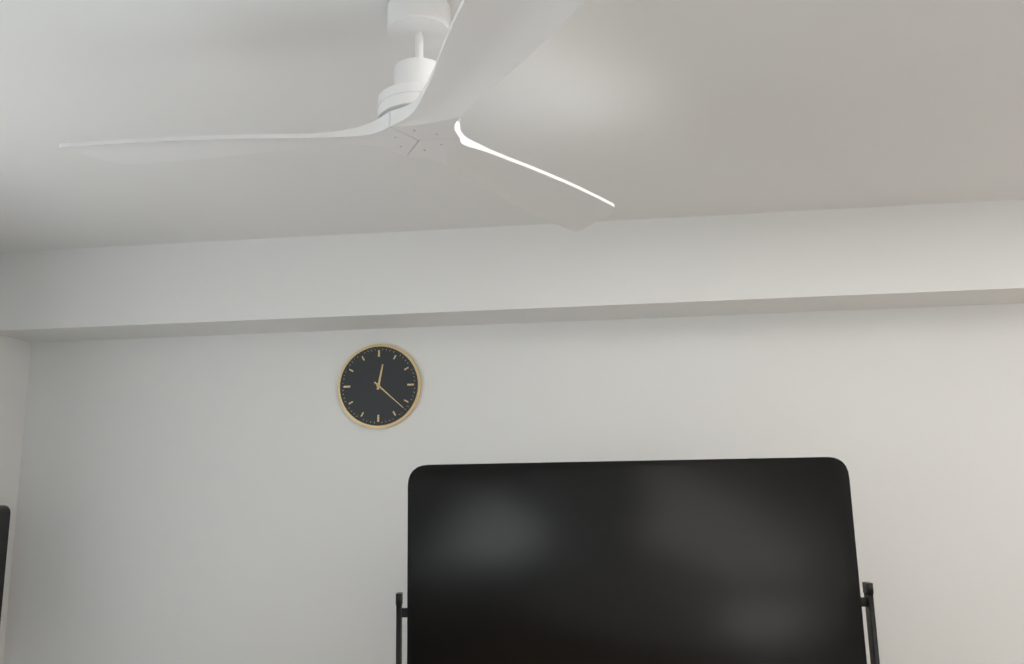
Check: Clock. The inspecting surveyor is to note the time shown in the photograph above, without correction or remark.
12:22
